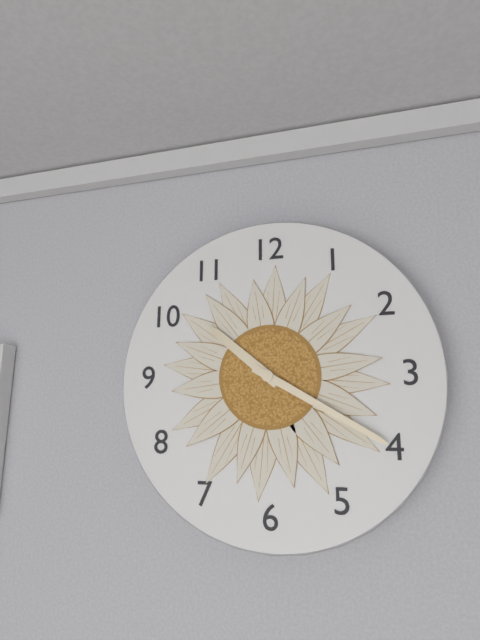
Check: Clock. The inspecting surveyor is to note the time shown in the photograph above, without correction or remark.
10:20
